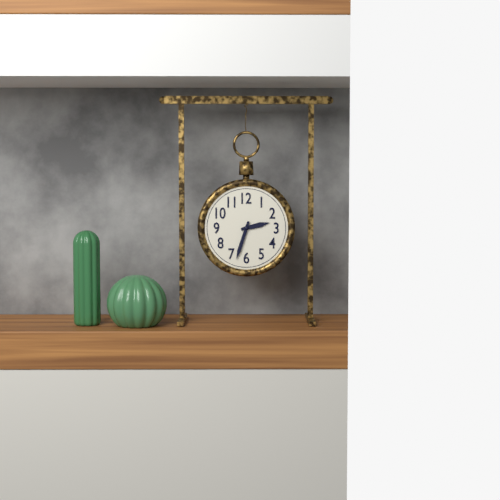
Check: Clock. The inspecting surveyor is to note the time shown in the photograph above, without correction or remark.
2:33
